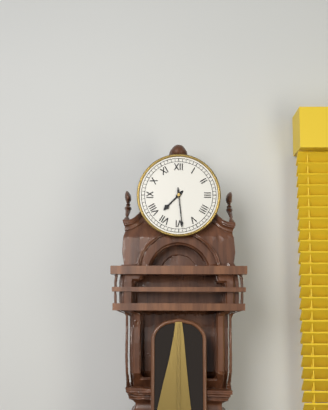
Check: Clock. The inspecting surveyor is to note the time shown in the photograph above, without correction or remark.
7:29
